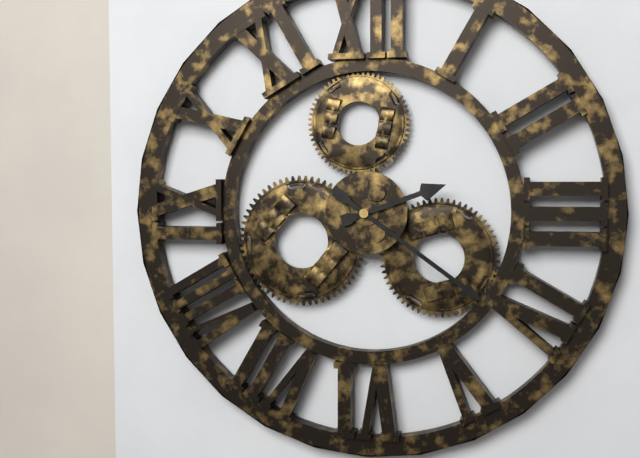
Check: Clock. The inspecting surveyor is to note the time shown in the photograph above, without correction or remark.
2:21
